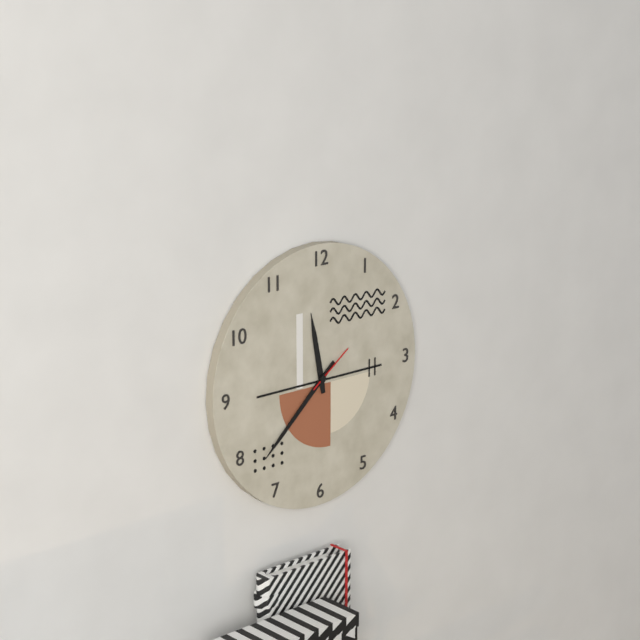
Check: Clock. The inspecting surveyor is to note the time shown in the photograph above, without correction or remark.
11:38:09
